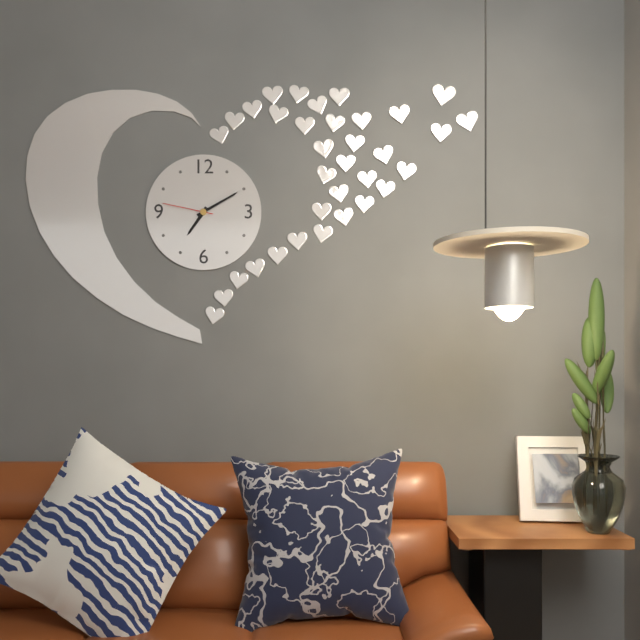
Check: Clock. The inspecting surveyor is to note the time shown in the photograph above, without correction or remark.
7:10:47
